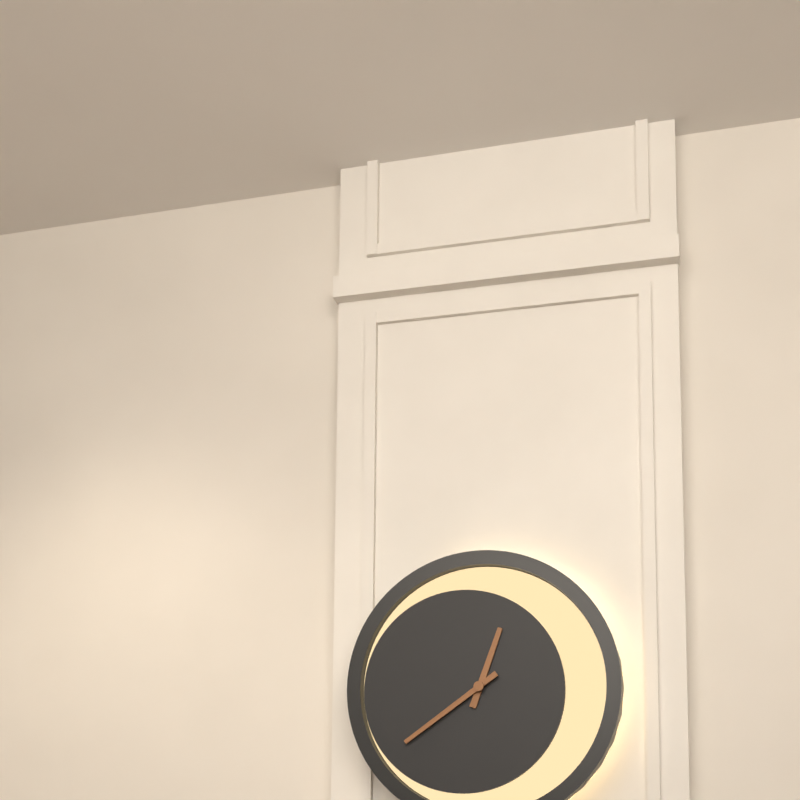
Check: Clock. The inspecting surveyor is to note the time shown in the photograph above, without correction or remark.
12:39
